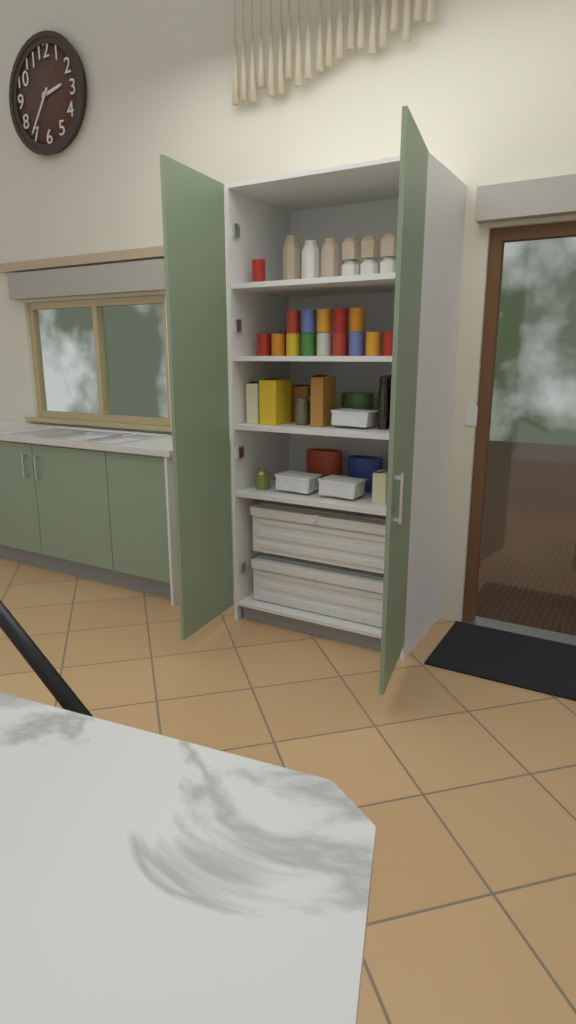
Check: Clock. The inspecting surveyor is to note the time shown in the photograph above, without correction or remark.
2:36
